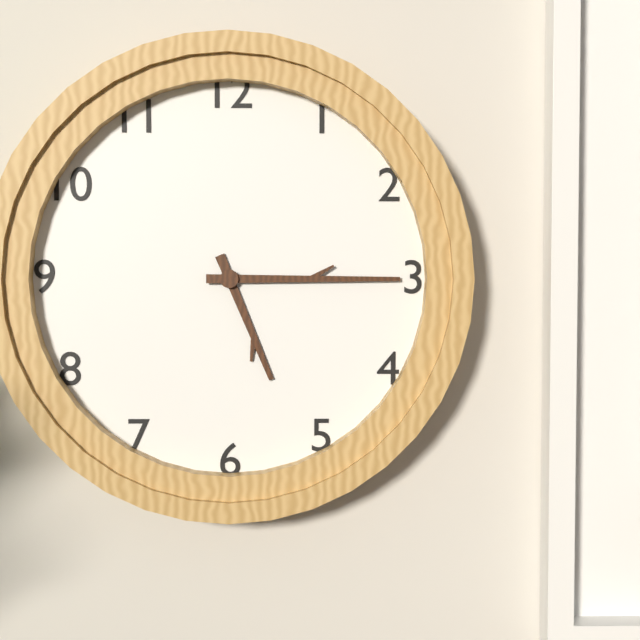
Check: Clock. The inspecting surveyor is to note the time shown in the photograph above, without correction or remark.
5:15
